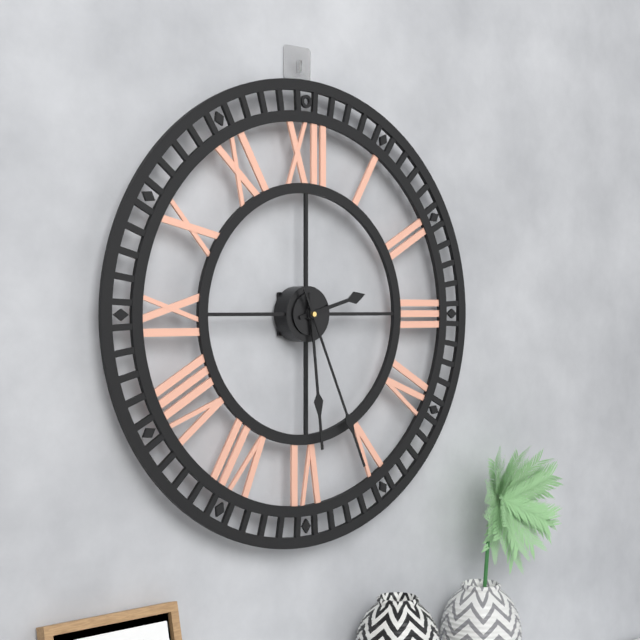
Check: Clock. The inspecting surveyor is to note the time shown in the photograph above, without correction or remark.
2:29:26
